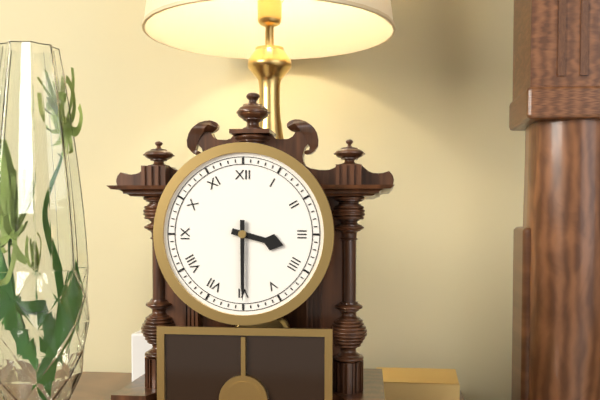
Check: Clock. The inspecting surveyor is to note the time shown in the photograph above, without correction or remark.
3:30
